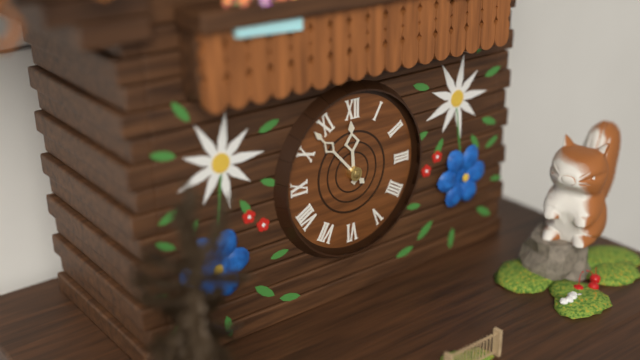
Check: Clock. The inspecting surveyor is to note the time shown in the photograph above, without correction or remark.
11:53
